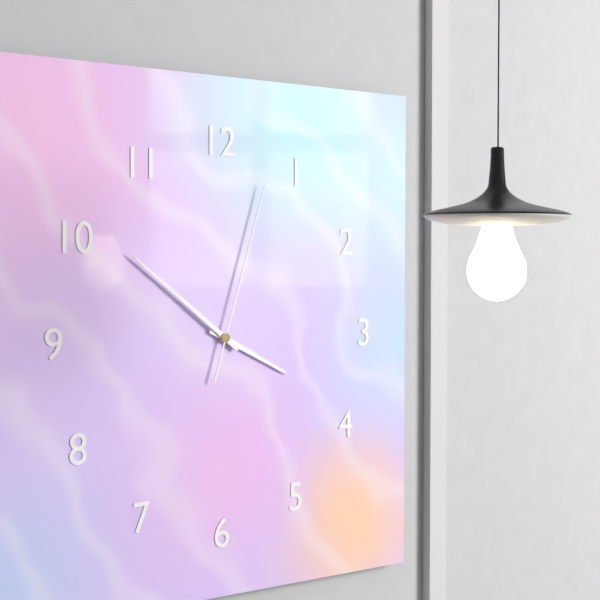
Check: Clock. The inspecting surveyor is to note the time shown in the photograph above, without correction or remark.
3:51:03
